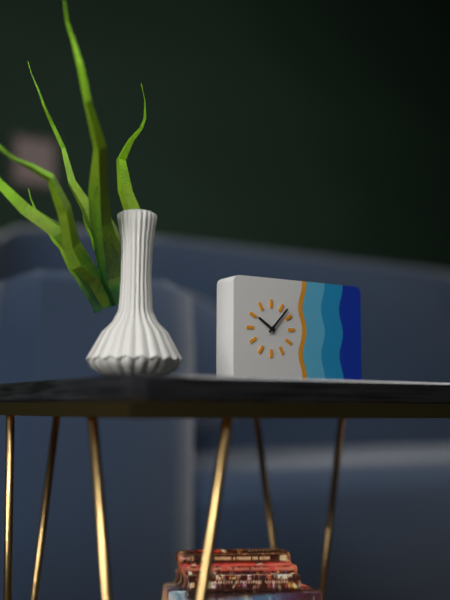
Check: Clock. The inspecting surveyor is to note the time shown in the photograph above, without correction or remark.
10:07
